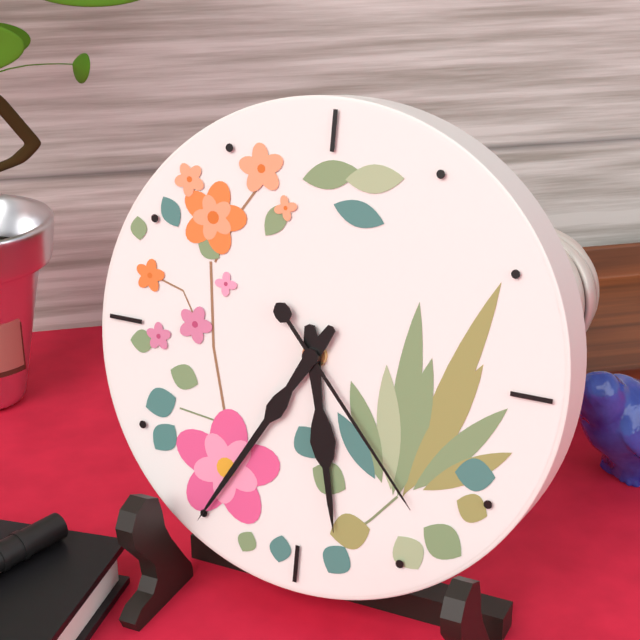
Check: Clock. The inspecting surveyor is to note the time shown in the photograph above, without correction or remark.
5:35:23
